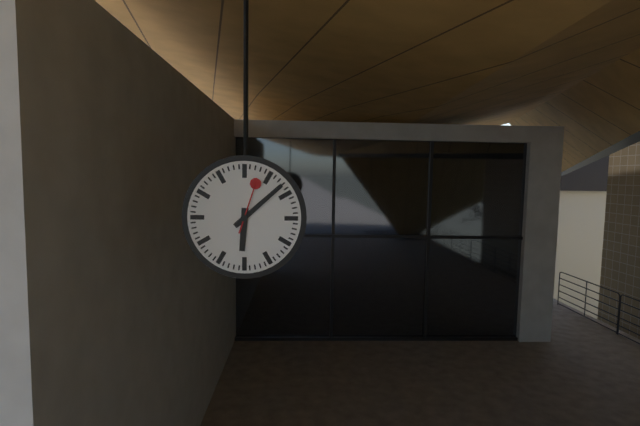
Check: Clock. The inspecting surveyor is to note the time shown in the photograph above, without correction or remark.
6:08:03
